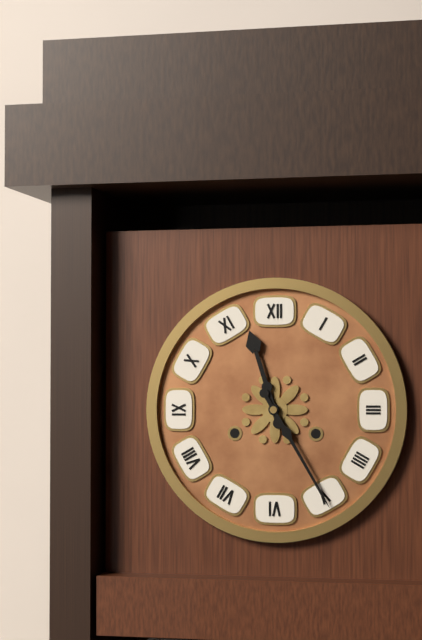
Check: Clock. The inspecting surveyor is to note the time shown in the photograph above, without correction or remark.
11:25
